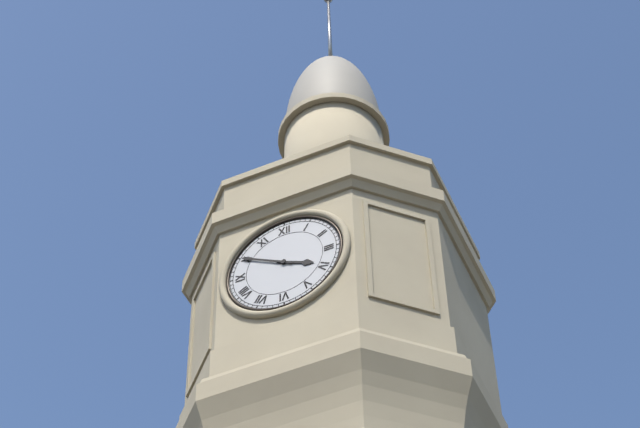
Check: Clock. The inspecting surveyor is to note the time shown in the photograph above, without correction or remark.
3:50
